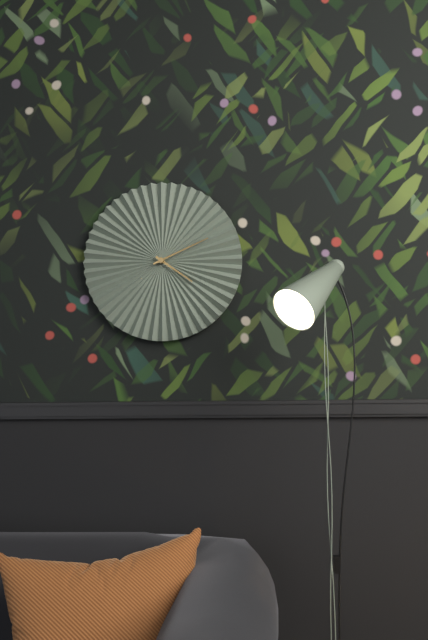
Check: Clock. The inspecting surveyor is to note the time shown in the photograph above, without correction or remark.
4:11
